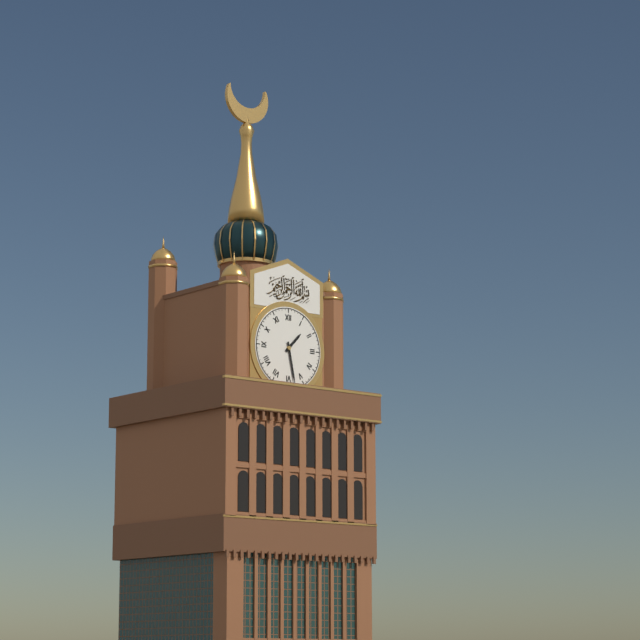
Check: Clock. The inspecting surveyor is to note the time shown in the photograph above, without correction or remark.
1:28
